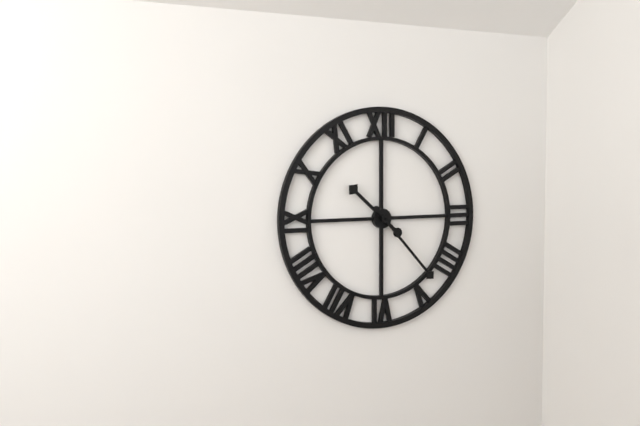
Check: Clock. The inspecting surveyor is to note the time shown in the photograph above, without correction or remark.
10:23
